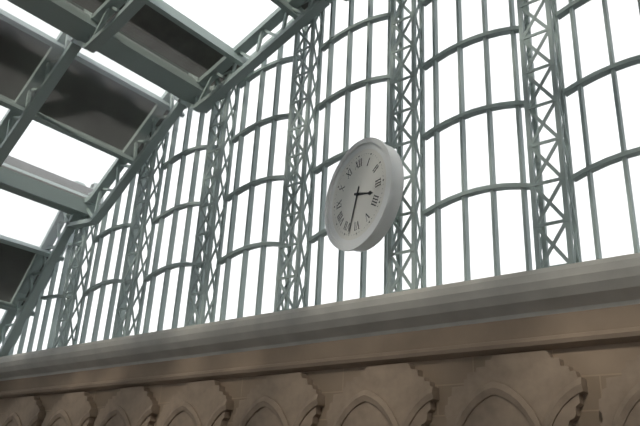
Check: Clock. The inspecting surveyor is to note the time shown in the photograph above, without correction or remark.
3:33
